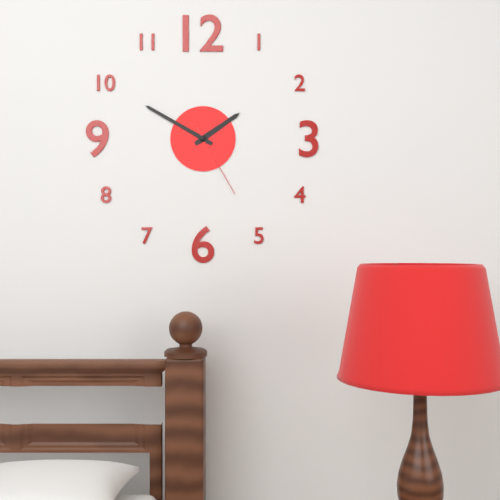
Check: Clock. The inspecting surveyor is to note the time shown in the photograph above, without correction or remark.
1:50:25
